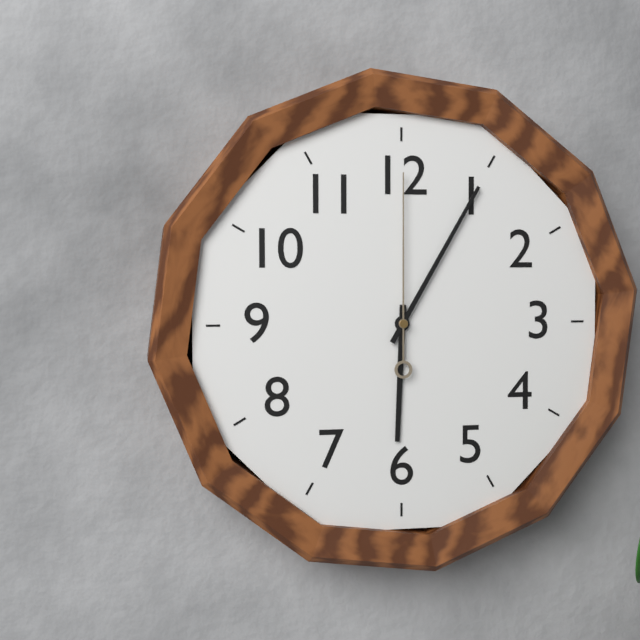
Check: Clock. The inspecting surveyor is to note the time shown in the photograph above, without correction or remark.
6:05:00
